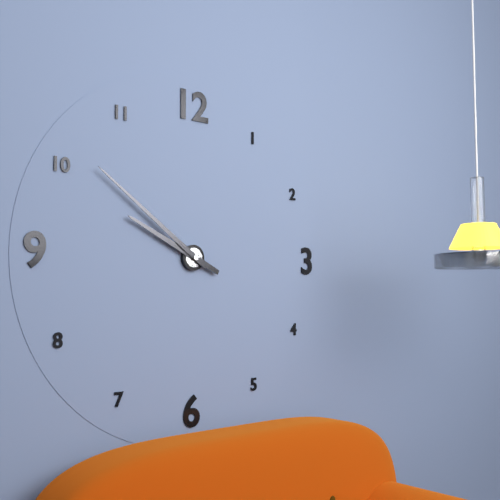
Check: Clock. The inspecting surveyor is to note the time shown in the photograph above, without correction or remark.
9:51
